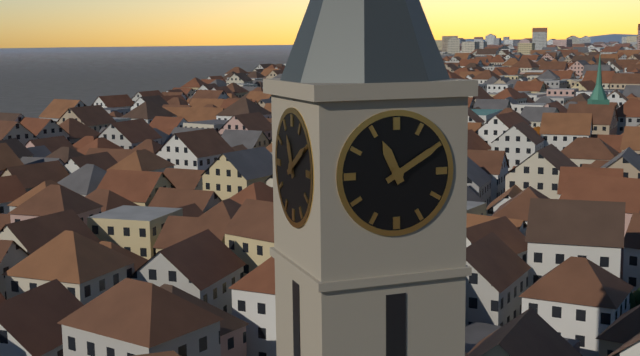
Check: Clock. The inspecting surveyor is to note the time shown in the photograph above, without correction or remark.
11:10
